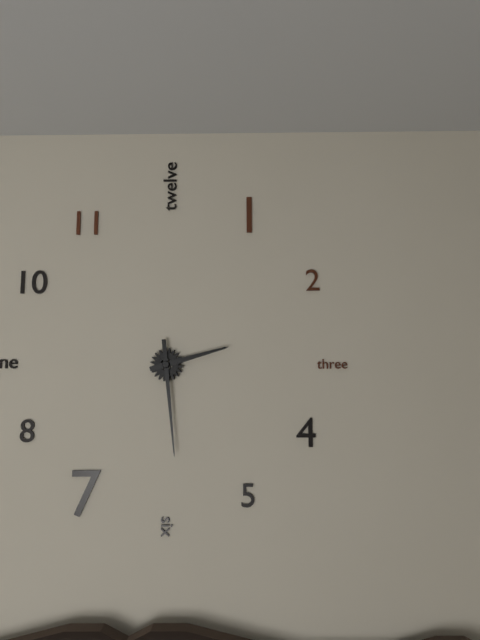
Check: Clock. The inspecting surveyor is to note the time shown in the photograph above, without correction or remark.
2:29
